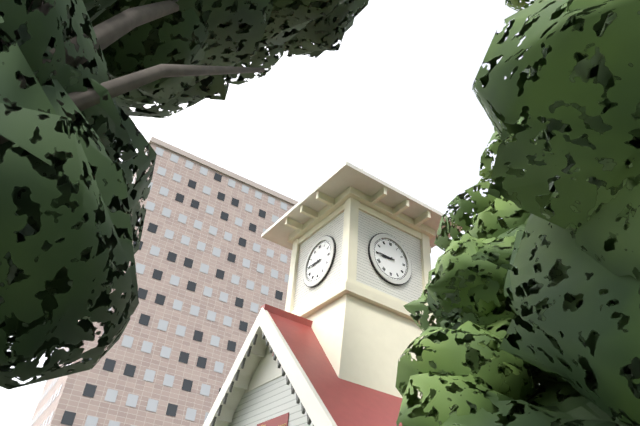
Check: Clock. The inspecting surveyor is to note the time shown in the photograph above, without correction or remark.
8:45
